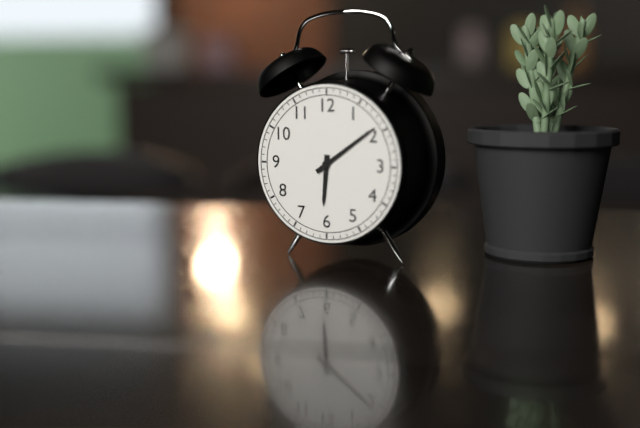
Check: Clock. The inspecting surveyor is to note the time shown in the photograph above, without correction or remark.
6:09
